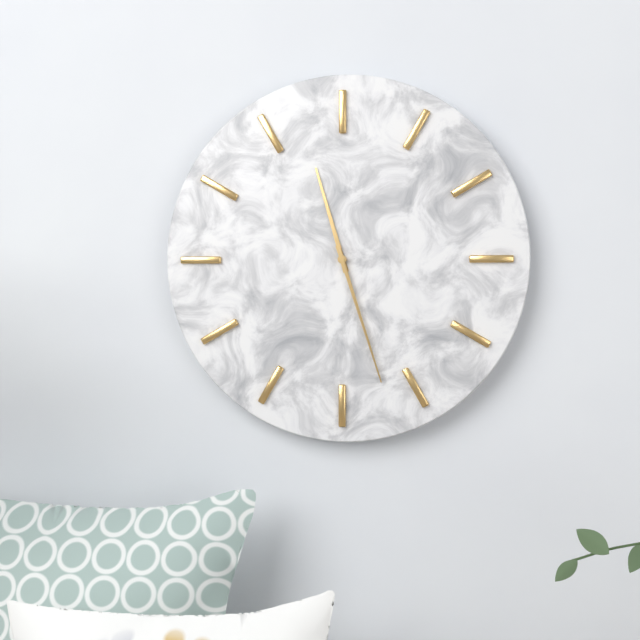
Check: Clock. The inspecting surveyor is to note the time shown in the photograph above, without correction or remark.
11:27
